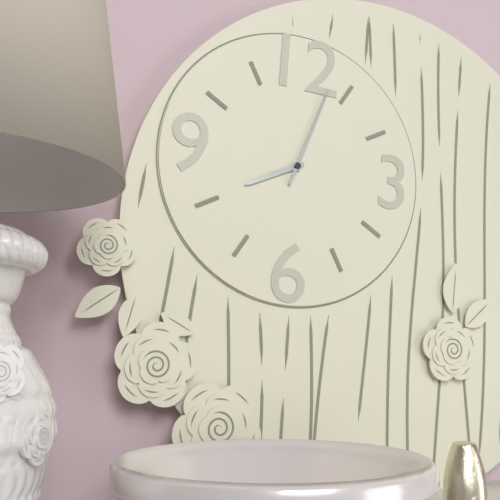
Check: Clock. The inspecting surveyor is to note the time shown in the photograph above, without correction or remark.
8:03
